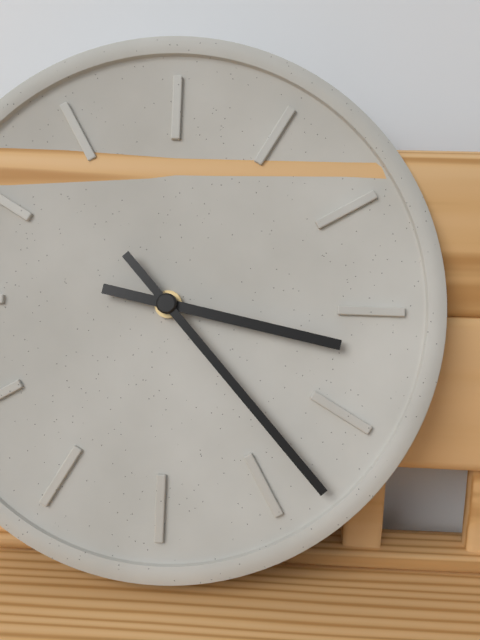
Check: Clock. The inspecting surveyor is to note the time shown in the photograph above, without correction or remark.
3:23
